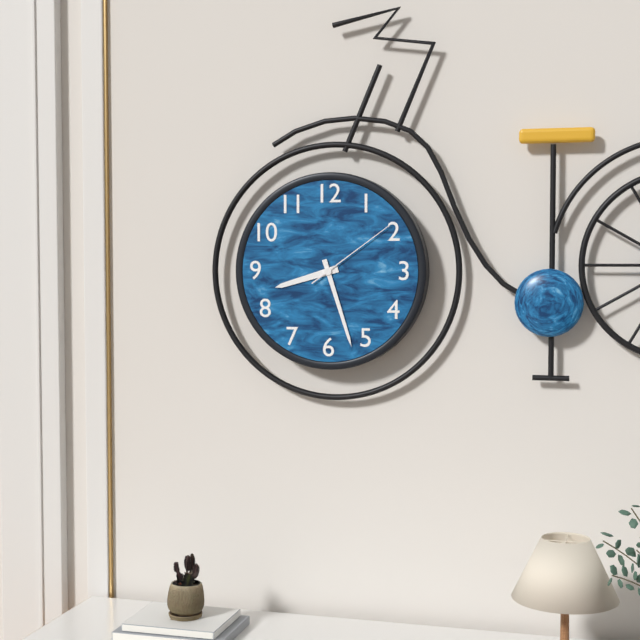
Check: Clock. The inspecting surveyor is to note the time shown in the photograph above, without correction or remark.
8:27:09
